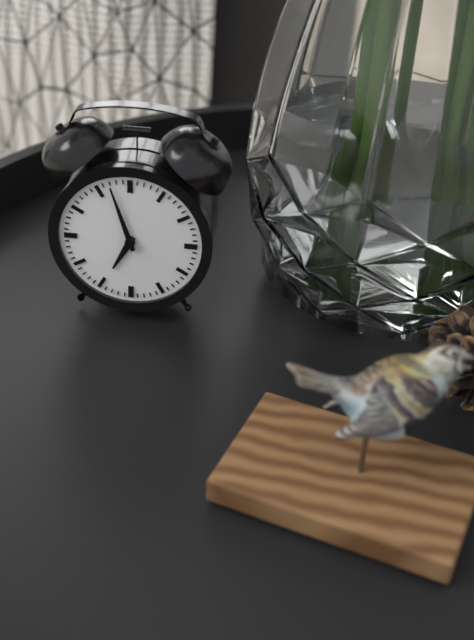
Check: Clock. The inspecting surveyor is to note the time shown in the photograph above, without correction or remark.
6:57
